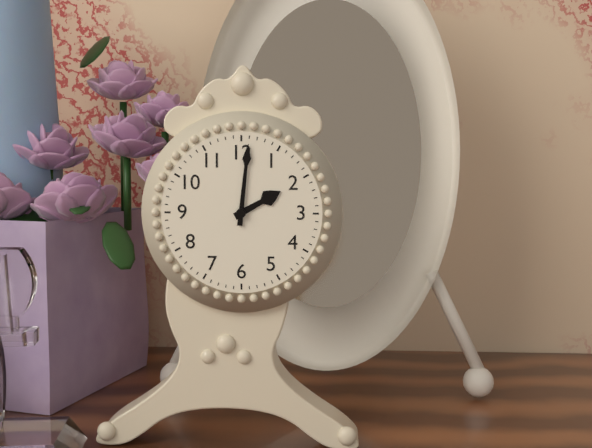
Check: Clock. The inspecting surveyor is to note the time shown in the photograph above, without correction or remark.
2:01
